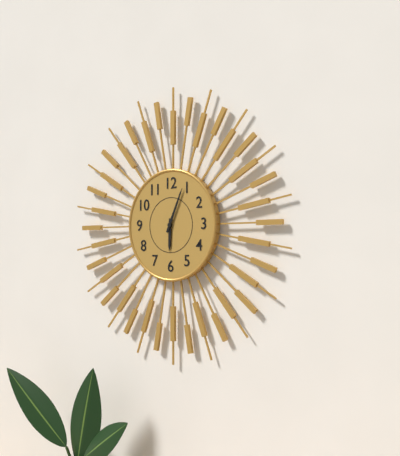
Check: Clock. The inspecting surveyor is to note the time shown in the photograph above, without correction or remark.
6:04
